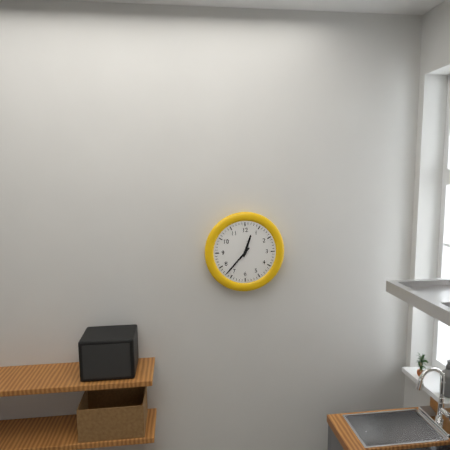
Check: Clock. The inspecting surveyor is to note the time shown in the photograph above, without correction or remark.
12:37
